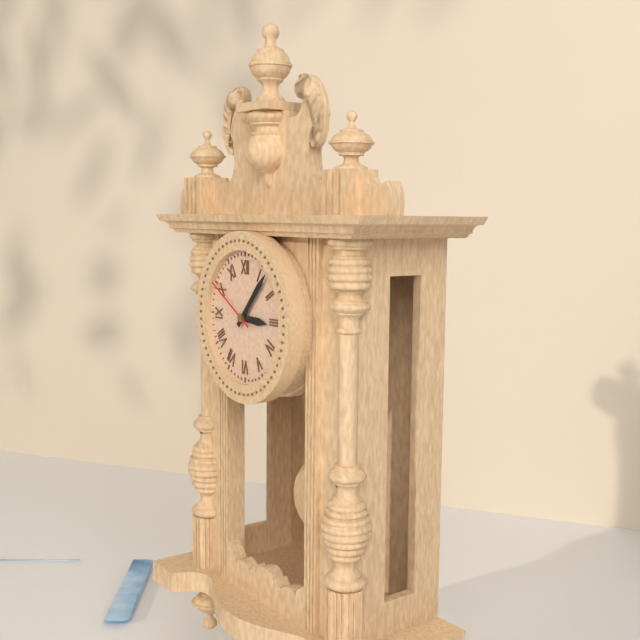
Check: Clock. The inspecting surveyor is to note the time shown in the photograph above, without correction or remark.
3:07:50
